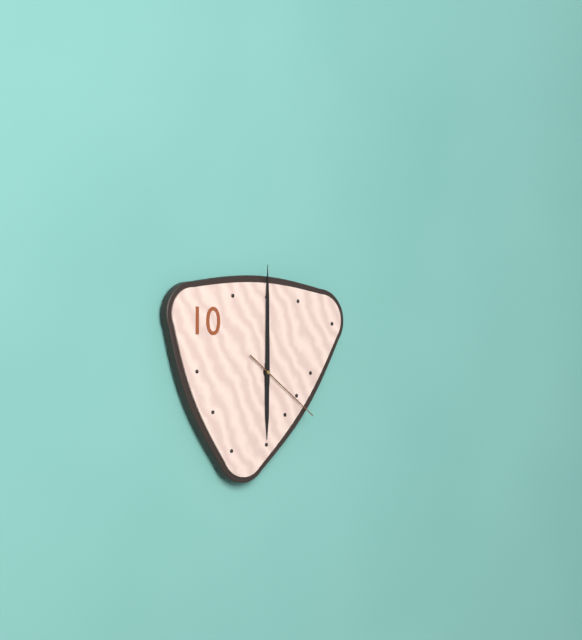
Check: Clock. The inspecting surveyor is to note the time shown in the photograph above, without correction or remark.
6:00:21
